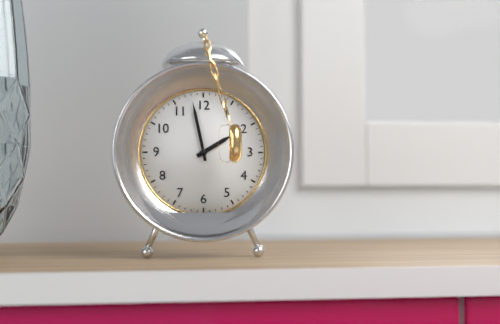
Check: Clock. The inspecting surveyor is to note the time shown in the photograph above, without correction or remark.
1:58
